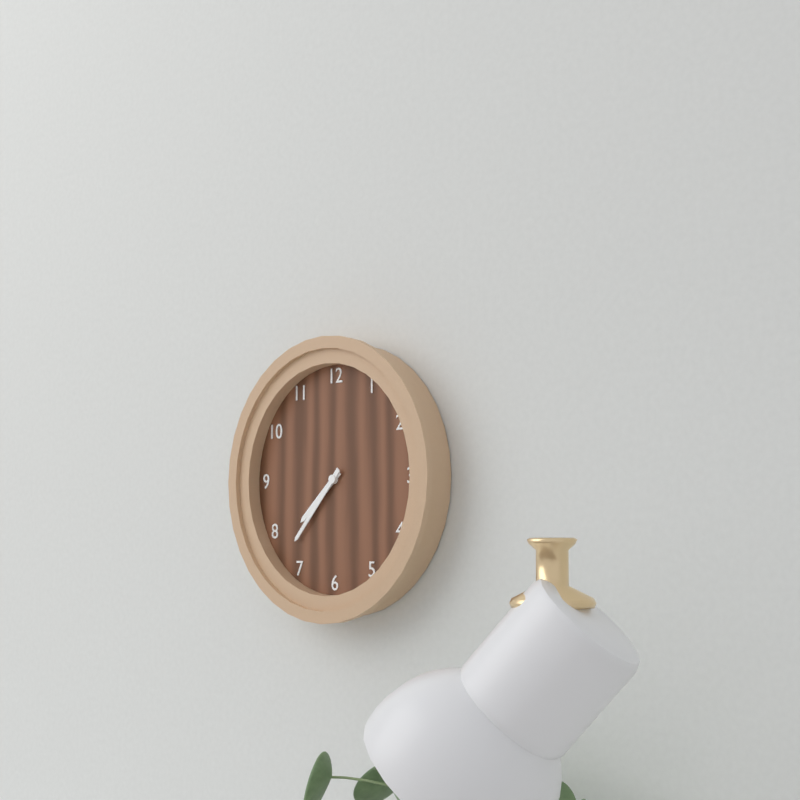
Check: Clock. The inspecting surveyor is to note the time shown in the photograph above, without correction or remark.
7:37
